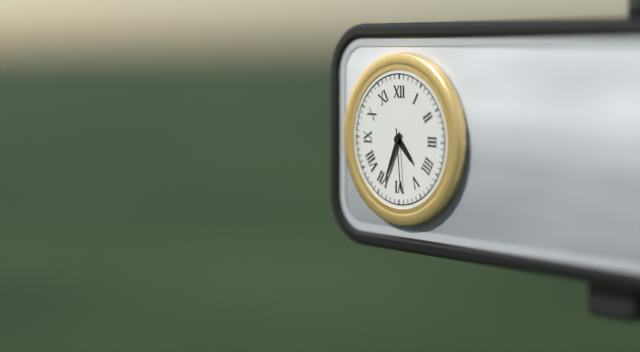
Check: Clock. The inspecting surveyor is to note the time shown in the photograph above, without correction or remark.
4:34:29
